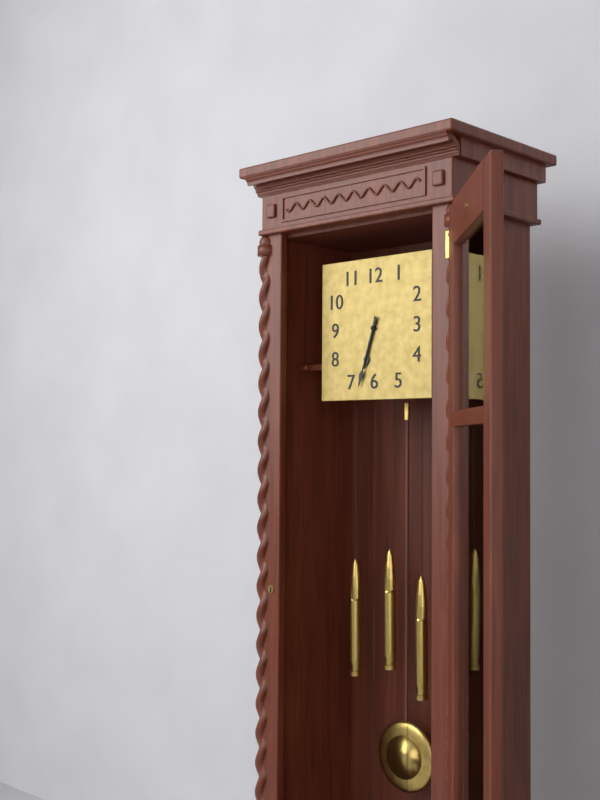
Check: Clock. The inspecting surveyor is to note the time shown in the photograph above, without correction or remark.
6:33
